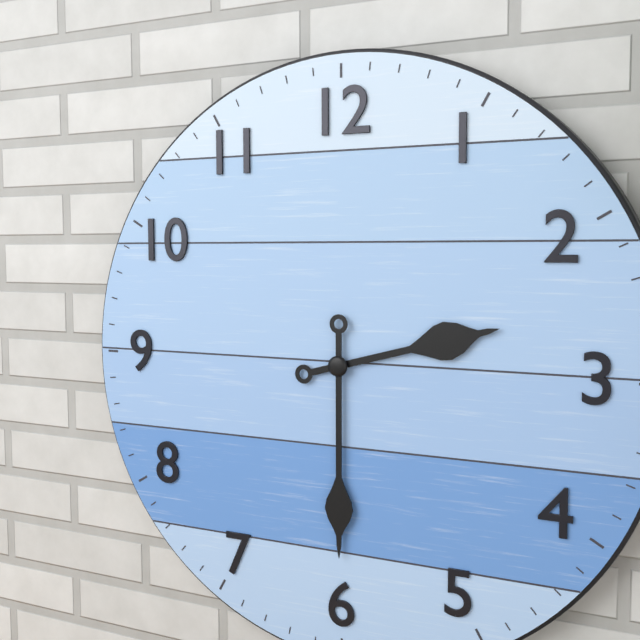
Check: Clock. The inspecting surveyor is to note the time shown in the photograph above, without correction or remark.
2:30
